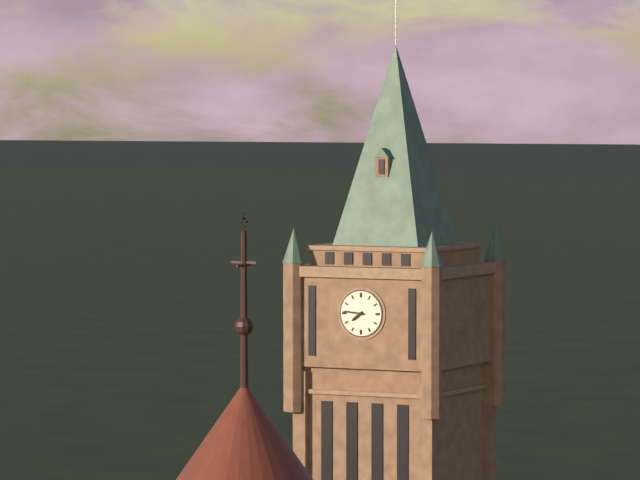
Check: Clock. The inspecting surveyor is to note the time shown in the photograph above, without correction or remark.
7:46
